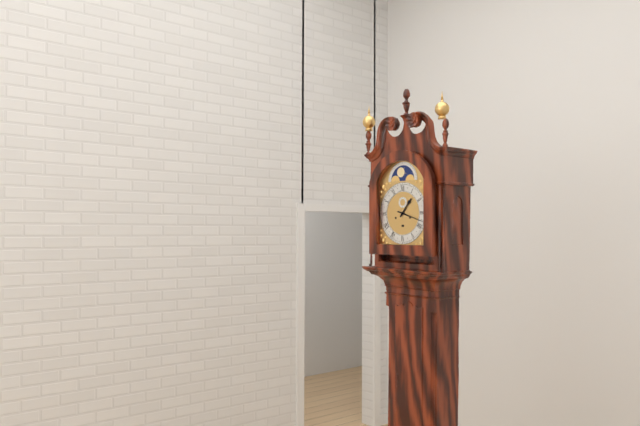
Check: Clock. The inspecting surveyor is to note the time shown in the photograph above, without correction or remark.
1:18
